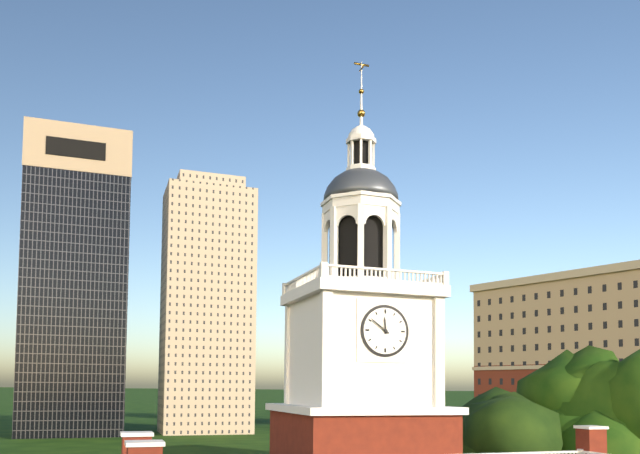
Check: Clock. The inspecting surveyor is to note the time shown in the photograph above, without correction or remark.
11:51
